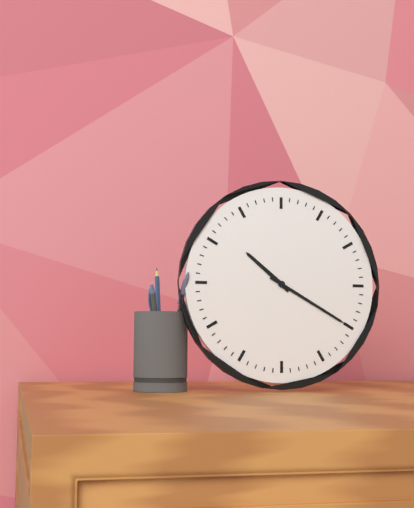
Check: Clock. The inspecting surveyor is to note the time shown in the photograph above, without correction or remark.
10:20
